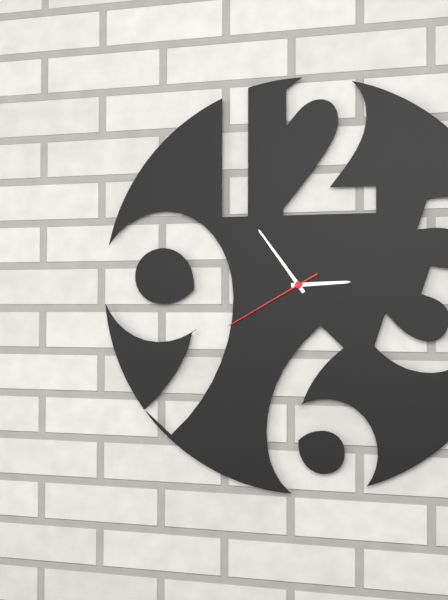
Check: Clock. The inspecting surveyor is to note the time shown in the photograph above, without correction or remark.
2:54:40
